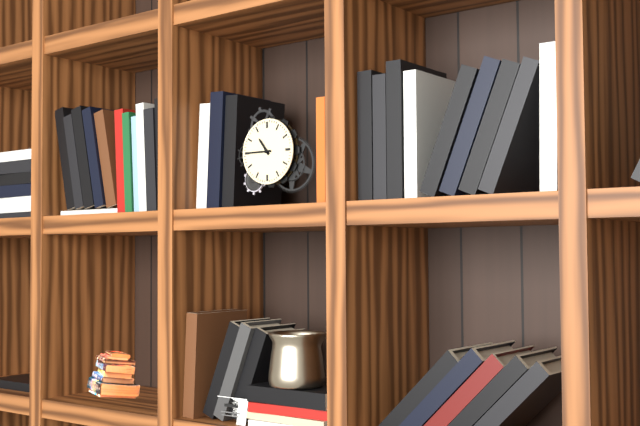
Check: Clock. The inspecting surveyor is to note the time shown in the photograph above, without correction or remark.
10:45
